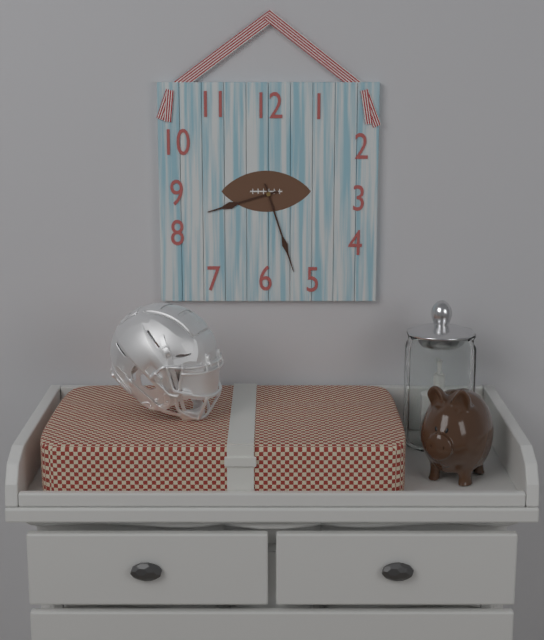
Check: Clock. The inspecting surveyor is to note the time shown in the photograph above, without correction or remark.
8:27
